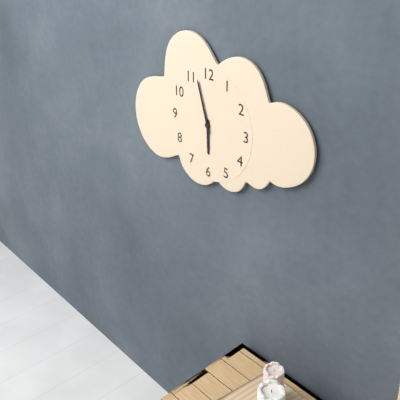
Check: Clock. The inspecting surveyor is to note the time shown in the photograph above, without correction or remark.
5:57
